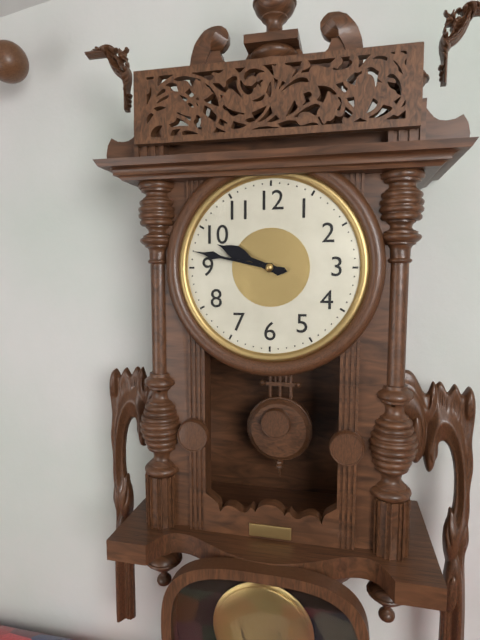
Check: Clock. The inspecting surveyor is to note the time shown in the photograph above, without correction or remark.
9:47
